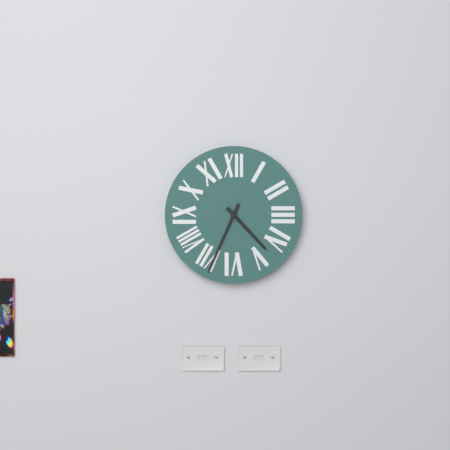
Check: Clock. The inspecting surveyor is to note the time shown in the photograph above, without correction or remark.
4:34
